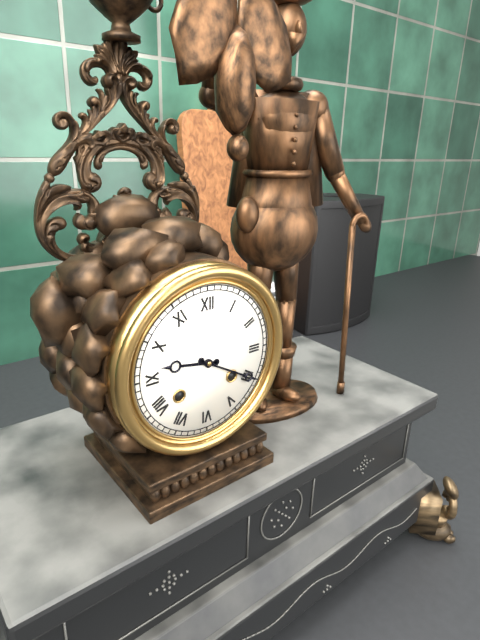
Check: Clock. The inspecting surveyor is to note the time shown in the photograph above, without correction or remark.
9:20
